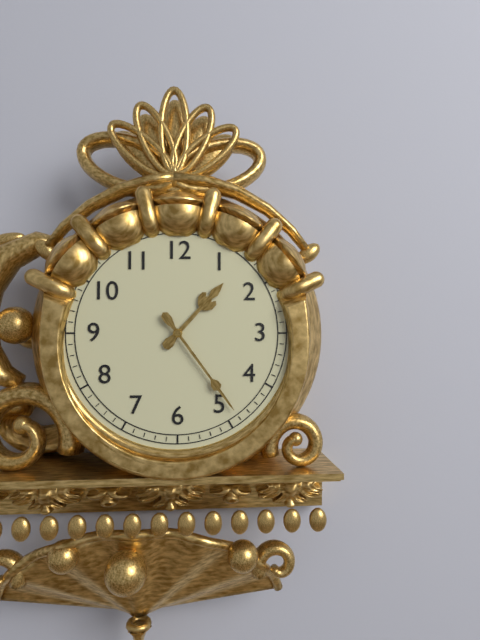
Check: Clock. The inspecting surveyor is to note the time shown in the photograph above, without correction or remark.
1:24
